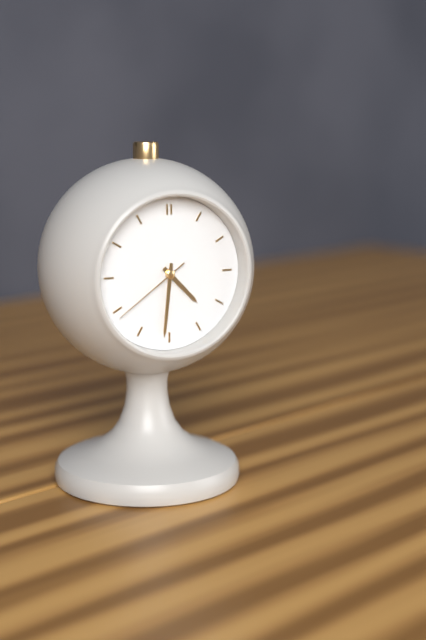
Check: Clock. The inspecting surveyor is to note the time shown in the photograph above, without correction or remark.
4:31:39
